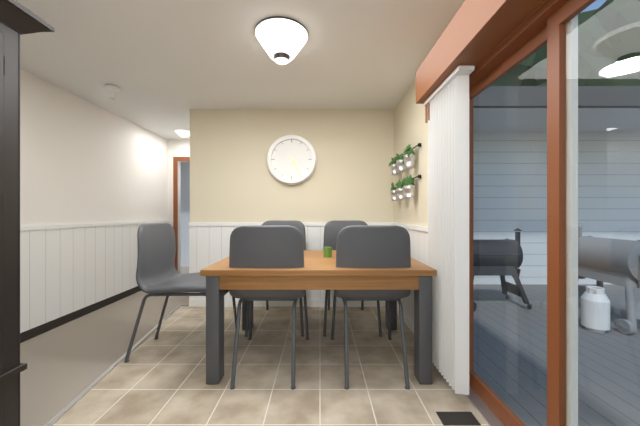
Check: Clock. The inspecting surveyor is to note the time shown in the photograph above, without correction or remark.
4:25
